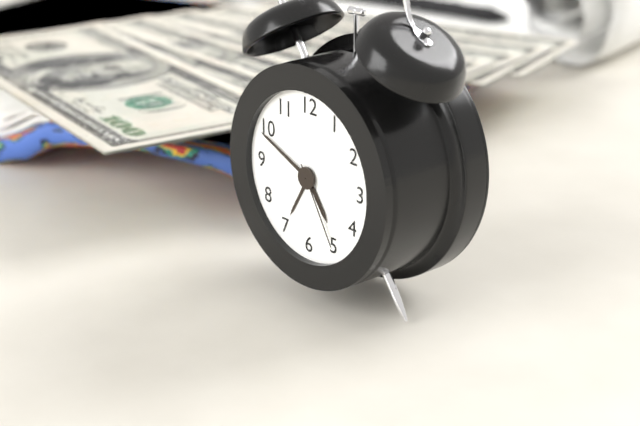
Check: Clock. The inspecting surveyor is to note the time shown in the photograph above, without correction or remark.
4:49:25
